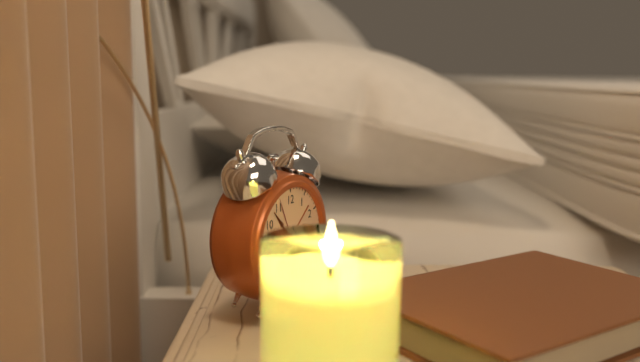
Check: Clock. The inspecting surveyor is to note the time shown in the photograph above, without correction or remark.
9:26:56
